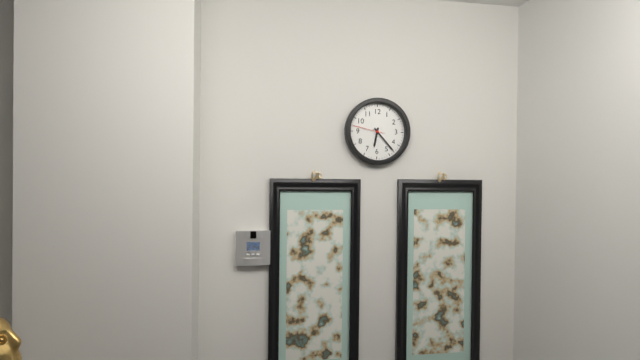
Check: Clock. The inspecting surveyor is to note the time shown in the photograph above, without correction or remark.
6:23
